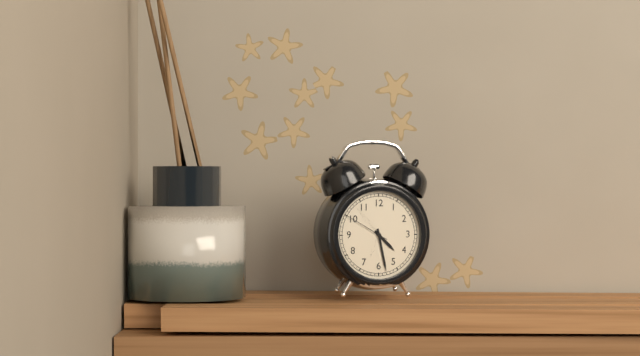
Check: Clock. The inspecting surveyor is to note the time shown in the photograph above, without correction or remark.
4:28
